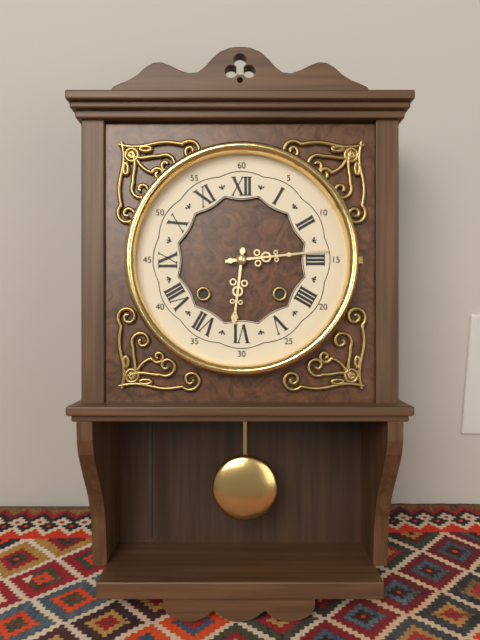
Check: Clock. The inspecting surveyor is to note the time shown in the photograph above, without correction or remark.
6:14
